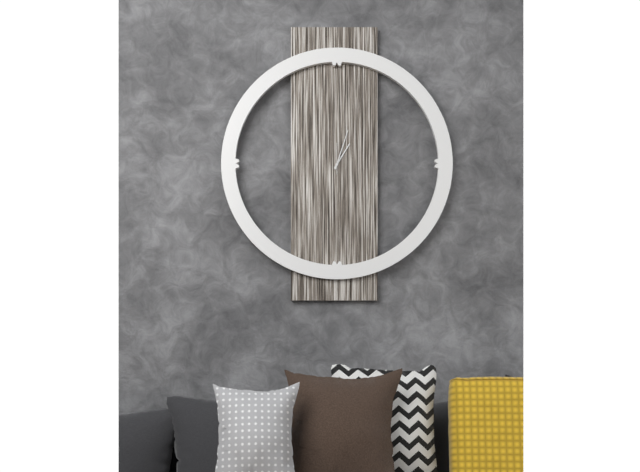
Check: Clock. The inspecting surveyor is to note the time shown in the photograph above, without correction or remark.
1:03
